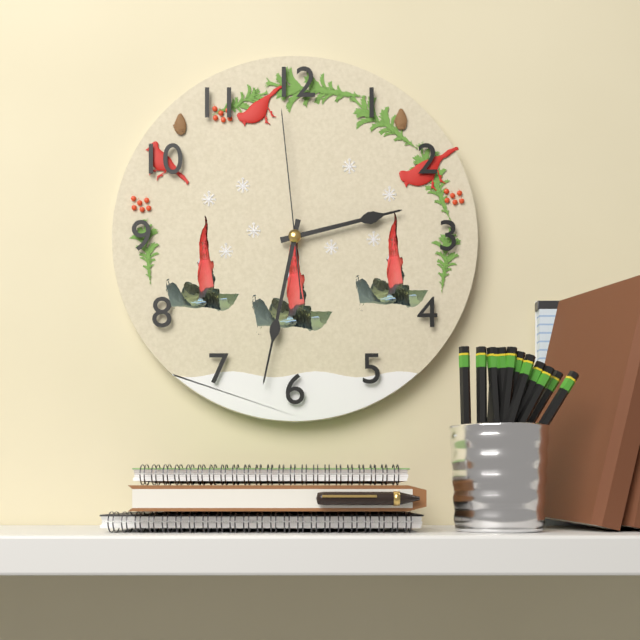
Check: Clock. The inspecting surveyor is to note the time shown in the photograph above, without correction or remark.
2:32:59
